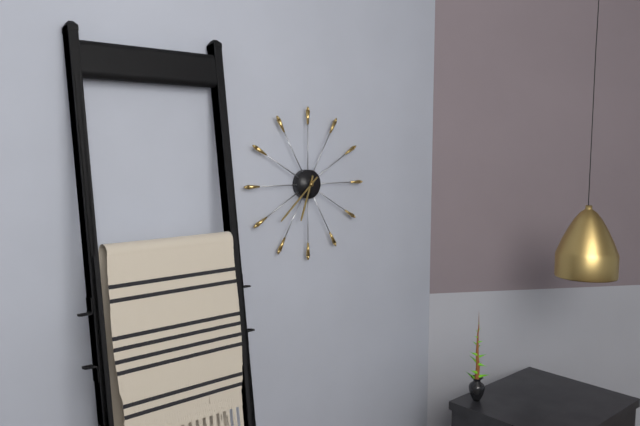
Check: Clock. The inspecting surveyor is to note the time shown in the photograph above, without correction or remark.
6:38
